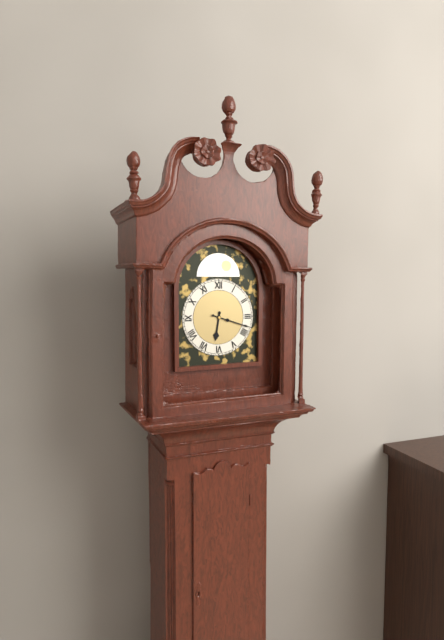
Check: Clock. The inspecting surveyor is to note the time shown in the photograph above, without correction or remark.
6:18
